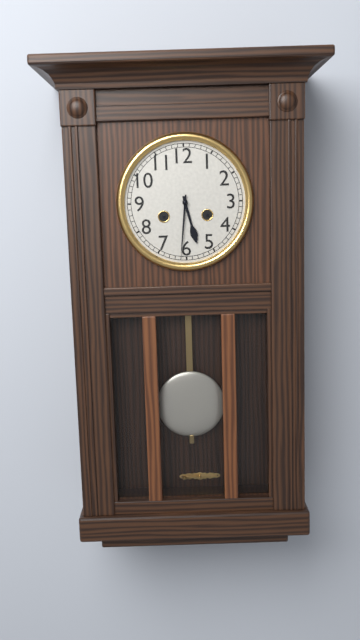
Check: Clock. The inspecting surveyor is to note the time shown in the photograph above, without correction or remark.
5:31
